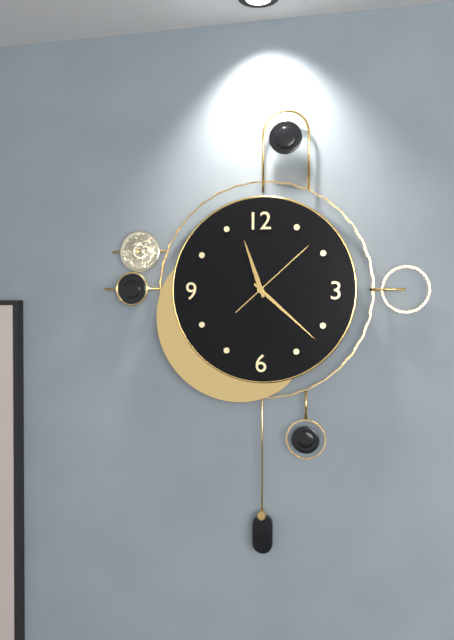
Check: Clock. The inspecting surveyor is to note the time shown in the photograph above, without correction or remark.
11:22:08
